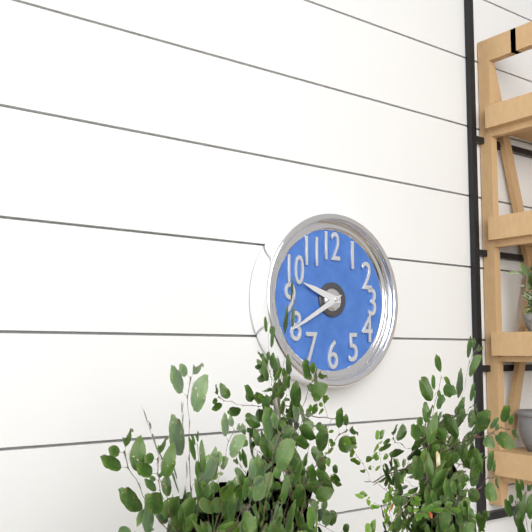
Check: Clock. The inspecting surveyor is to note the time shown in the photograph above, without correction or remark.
9:40
